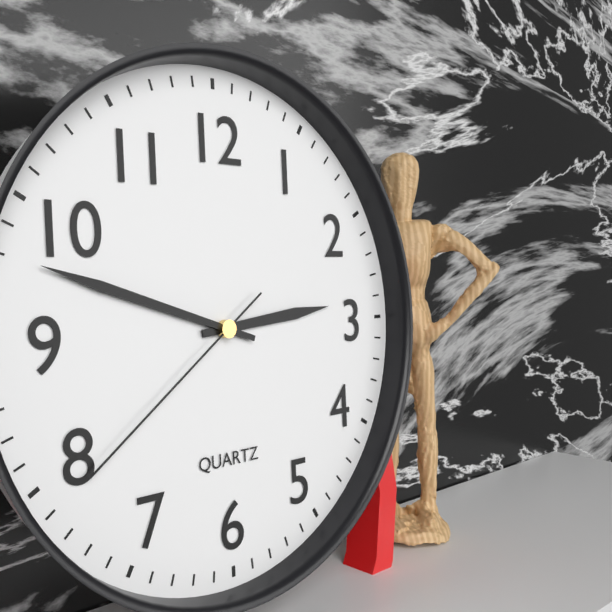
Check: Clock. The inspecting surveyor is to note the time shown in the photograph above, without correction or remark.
2:48:39
